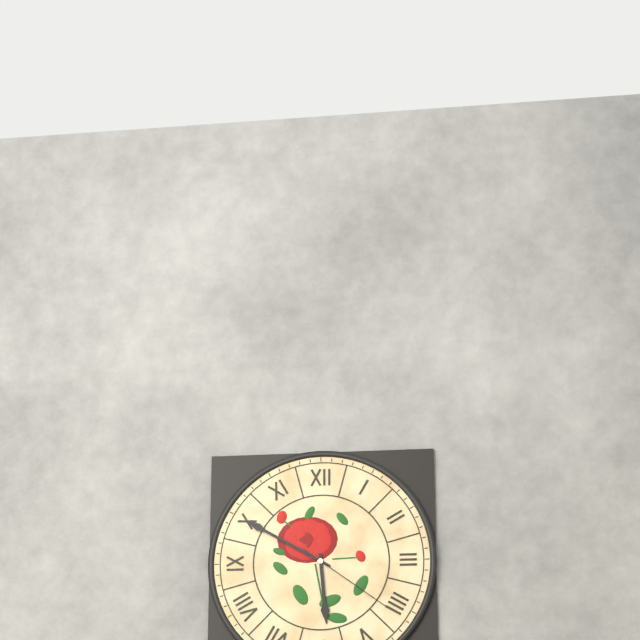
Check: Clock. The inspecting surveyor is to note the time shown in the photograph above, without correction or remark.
5:50:21
